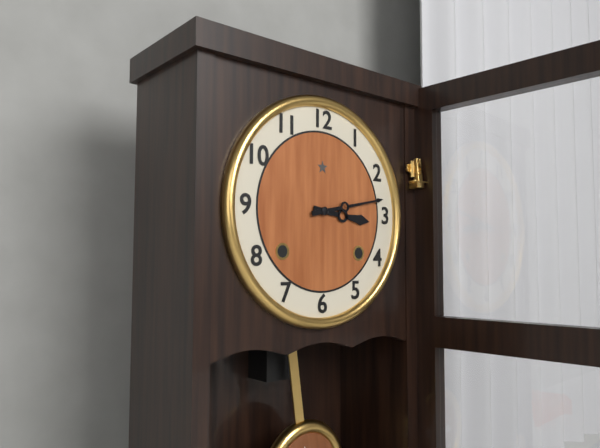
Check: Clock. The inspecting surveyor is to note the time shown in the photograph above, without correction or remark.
3:13
